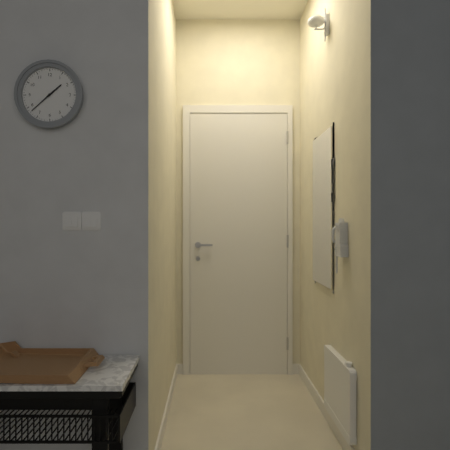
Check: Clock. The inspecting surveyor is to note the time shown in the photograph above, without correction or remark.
1:38
